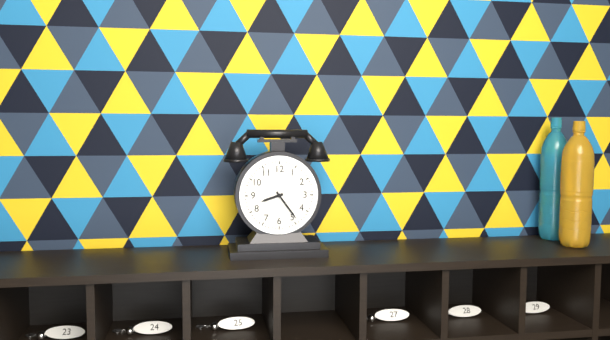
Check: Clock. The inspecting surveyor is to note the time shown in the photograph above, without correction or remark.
8:24
